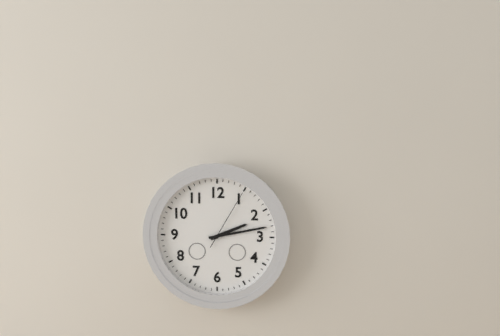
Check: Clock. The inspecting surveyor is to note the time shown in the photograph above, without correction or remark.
2:13:05
